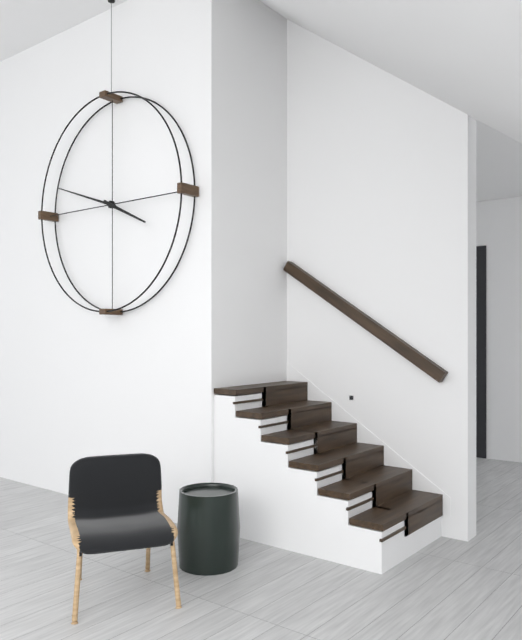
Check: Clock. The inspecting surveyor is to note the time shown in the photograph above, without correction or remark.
3:48
